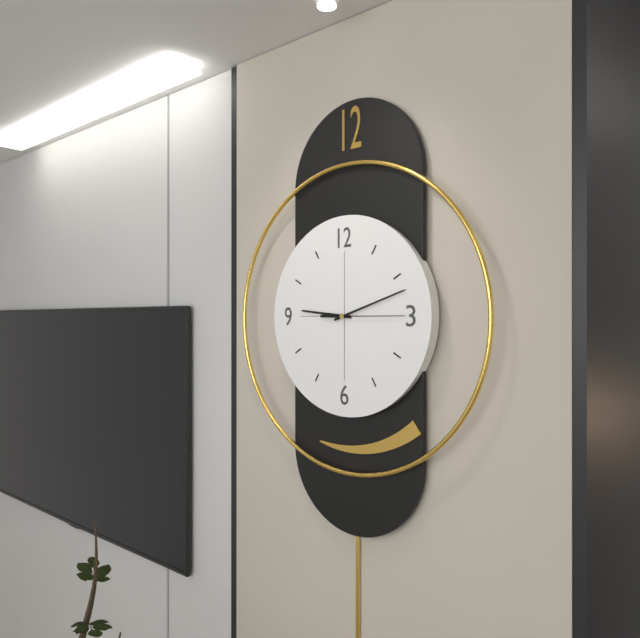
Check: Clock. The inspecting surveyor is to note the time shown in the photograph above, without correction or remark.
9:12:15
